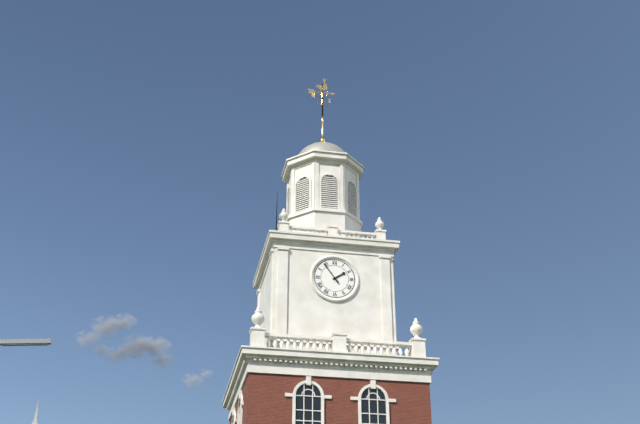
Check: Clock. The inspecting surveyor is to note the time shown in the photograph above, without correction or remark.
1:54
